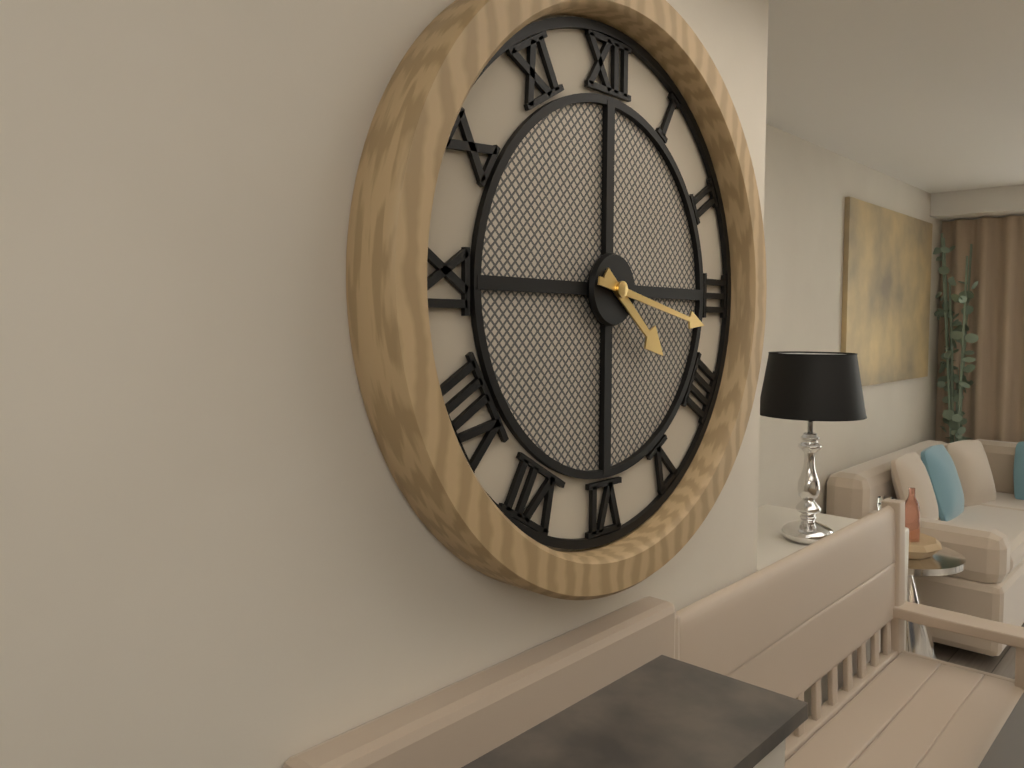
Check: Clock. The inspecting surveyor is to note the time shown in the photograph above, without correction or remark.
4:17
